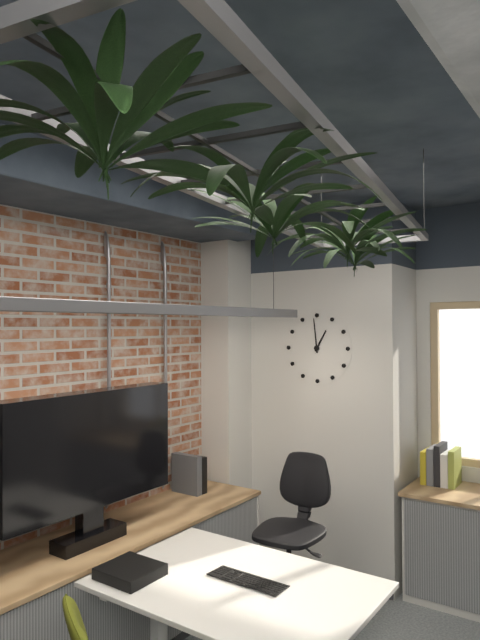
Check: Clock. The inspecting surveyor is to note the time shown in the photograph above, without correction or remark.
12:59
